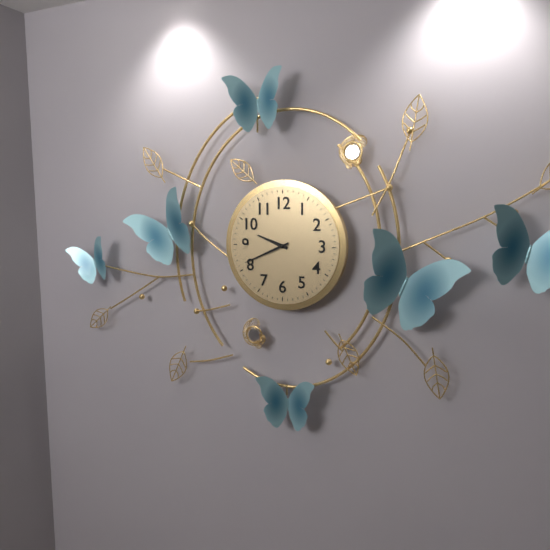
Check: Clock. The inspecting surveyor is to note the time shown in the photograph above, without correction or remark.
9:41
